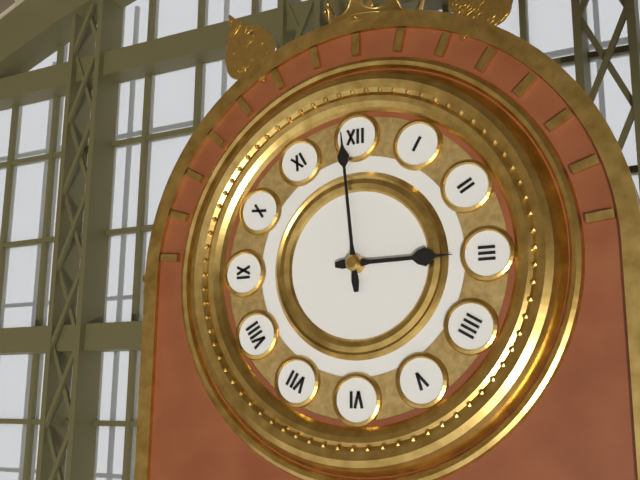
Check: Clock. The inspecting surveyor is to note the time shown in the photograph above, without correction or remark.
2:59
